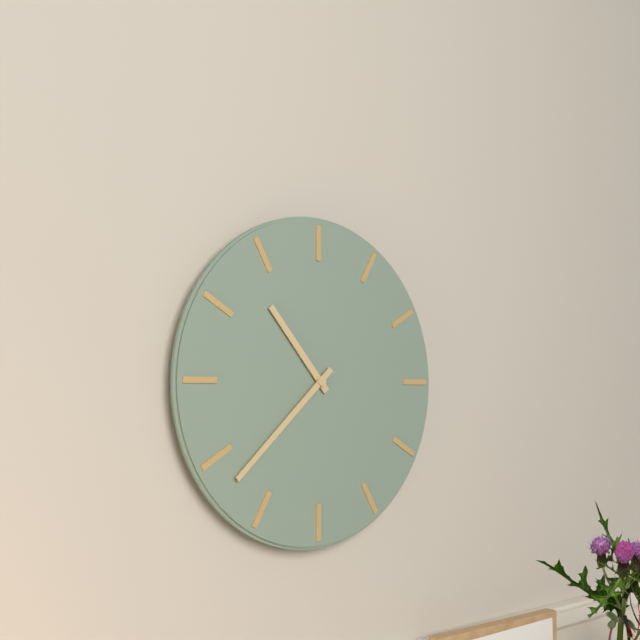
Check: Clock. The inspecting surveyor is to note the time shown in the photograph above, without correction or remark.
10:38
